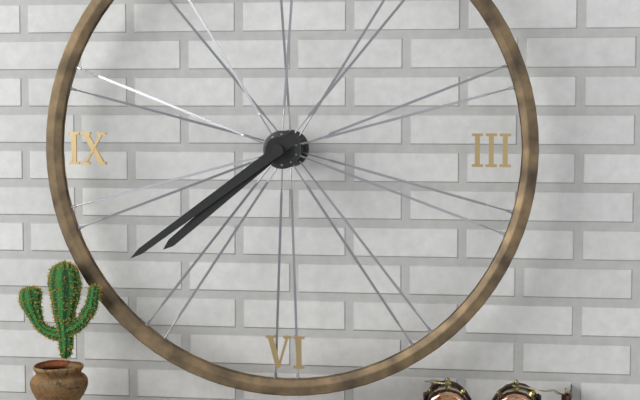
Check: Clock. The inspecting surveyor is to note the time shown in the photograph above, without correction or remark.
7:39
